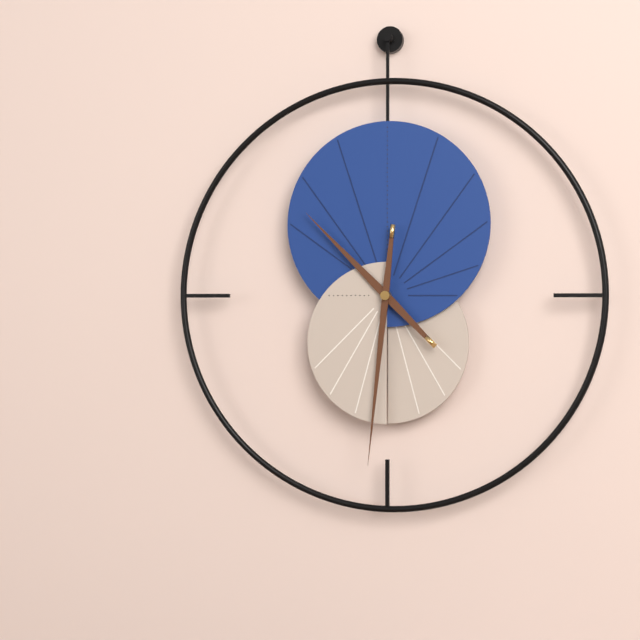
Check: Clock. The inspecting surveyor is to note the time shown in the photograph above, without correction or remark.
10:31
